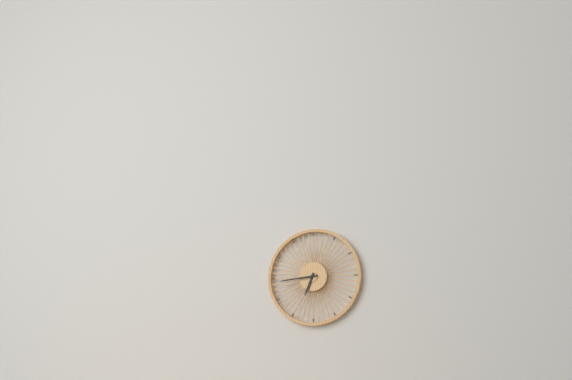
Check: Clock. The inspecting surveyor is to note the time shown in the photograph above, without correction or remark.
6:44
